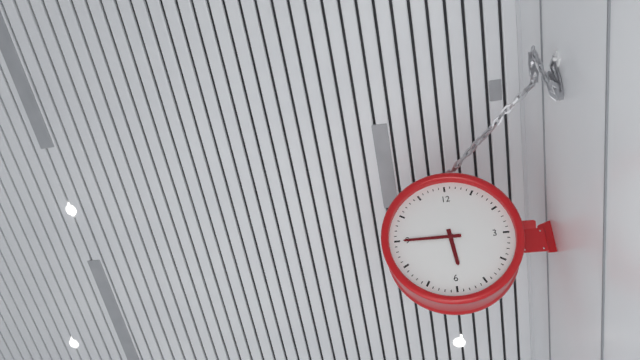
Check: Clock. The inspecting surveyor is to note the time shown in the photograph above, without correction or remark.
5:45
